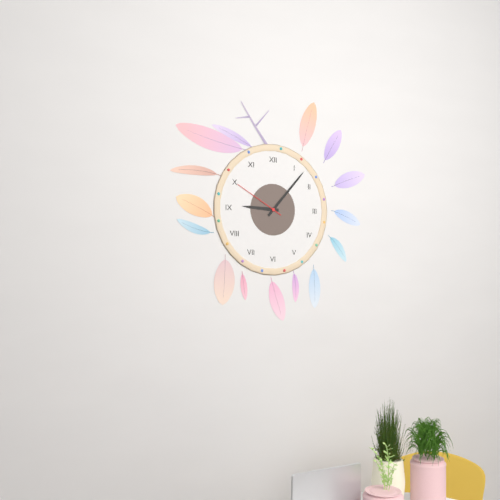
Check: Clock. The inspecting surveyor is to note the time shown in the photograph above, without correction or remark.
9:07:50
